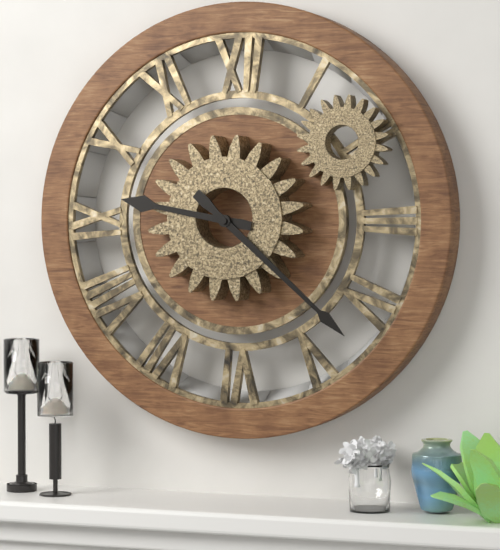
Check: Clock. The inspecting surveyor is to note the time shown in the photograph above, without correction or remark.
9:22
